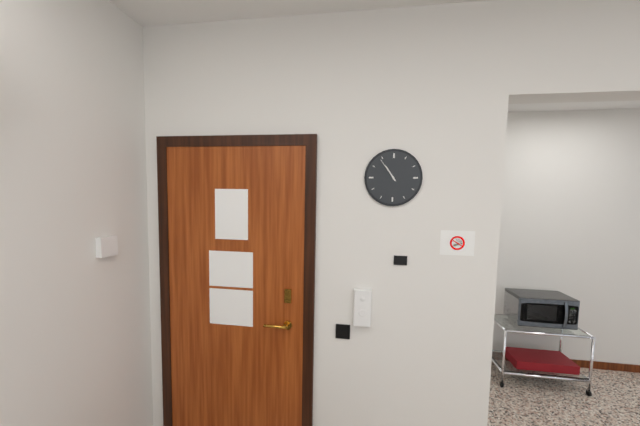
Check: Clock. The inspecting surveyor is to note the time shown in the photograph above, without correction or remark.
10:54
